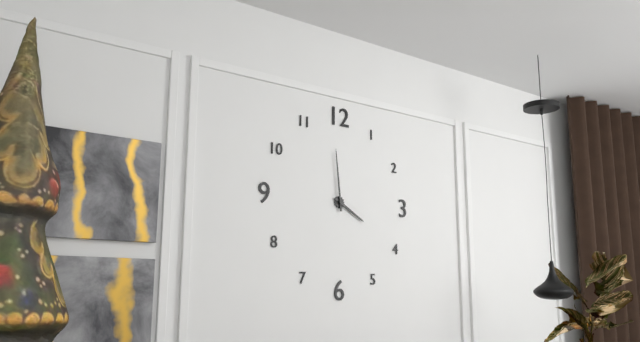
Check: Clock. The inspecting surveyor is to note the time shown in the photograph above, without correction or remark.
3:59
